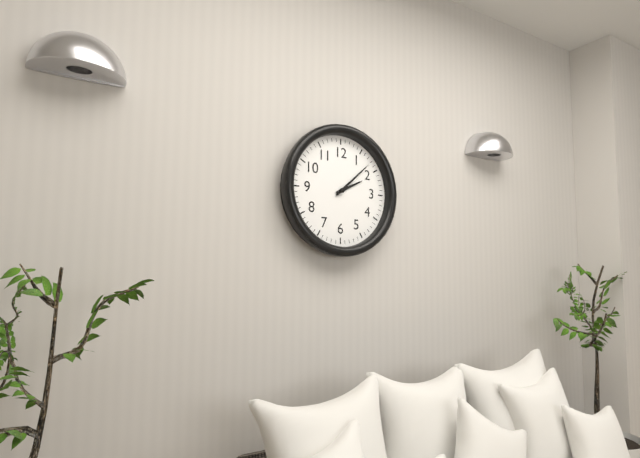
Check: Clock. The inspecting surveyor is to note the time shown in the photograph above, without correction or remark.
2:08
